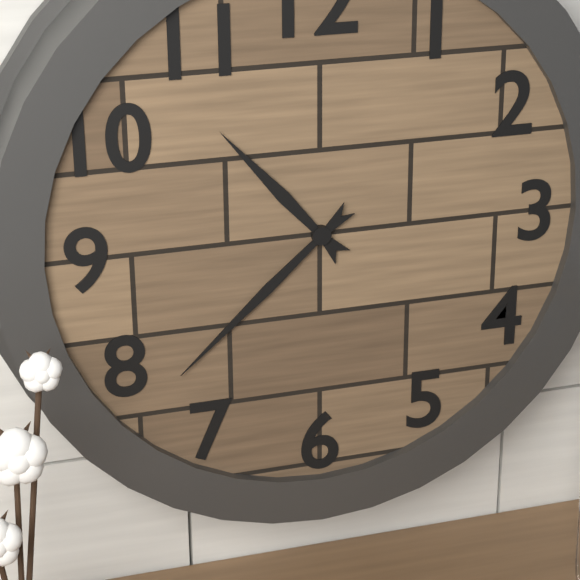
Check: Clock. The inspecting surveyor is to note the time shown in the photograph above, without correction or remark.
10:38
